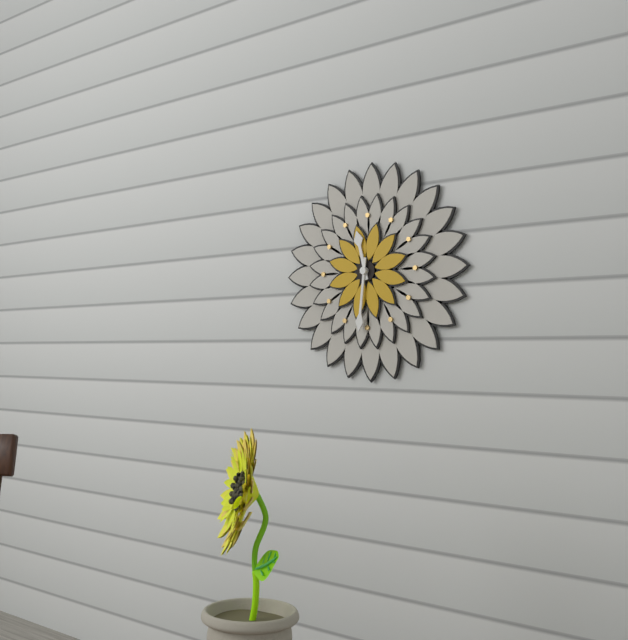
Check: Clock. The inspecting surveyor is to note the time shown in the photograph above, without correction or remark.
11:31
